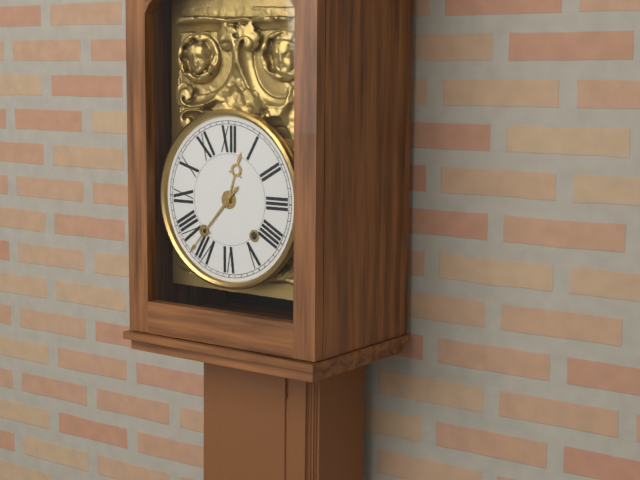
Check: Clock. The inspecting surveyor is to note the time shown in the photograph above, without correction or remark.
12:37
